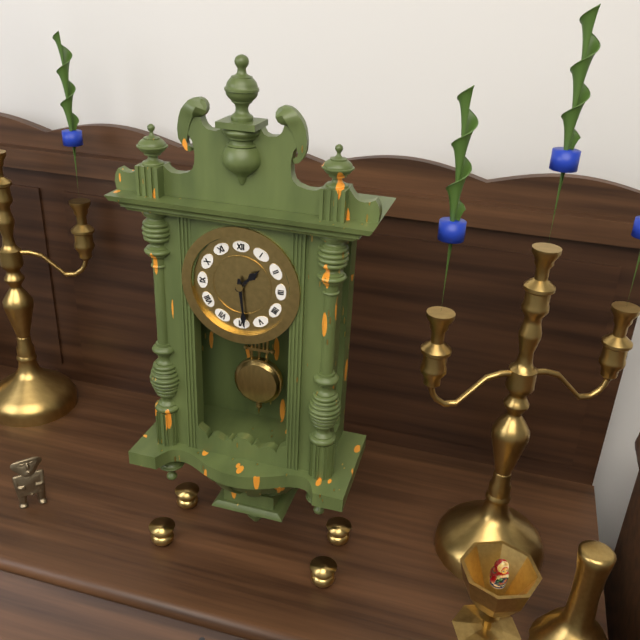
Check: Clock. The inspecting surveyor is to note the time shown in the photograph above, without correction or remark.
1:29
